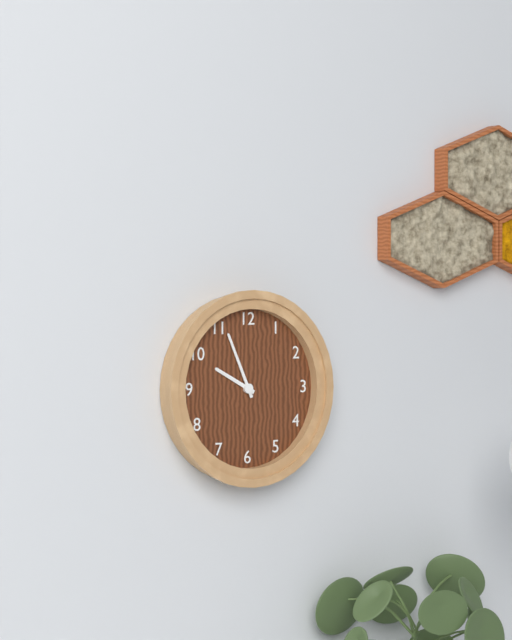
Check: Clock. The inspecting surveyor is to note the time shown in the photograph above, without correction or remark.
9:56
